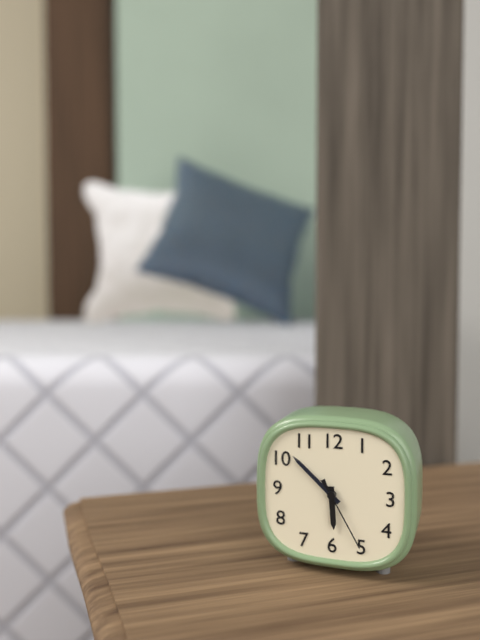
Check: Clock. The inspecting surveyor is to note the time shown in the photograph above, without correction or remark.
5:52:25
